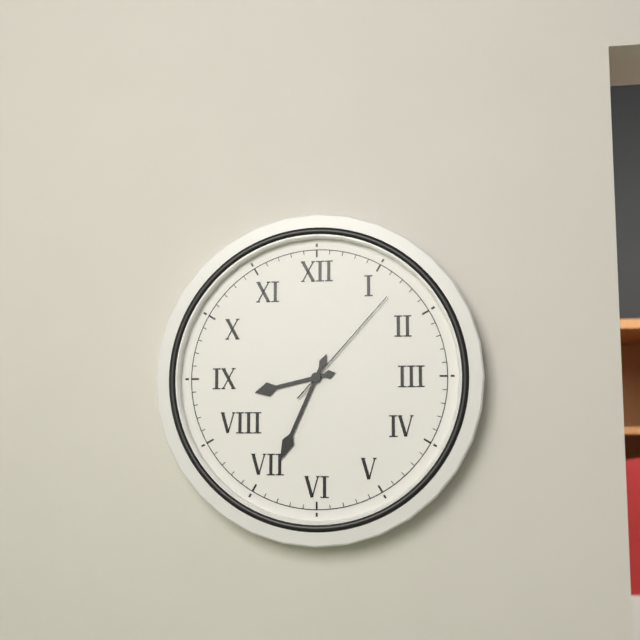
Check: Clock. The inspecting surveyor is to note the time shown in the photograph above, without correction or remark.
8:34:07
